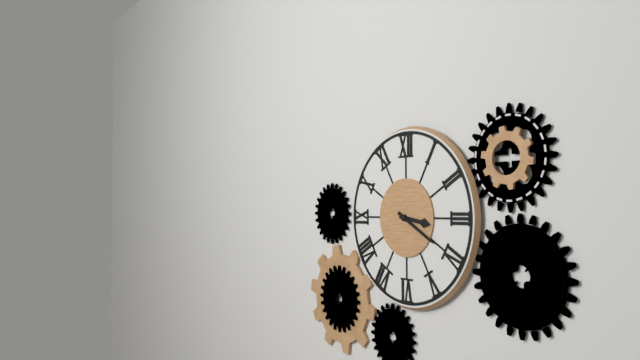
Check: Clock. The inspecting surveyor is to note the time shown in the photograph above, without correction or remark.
3:20
